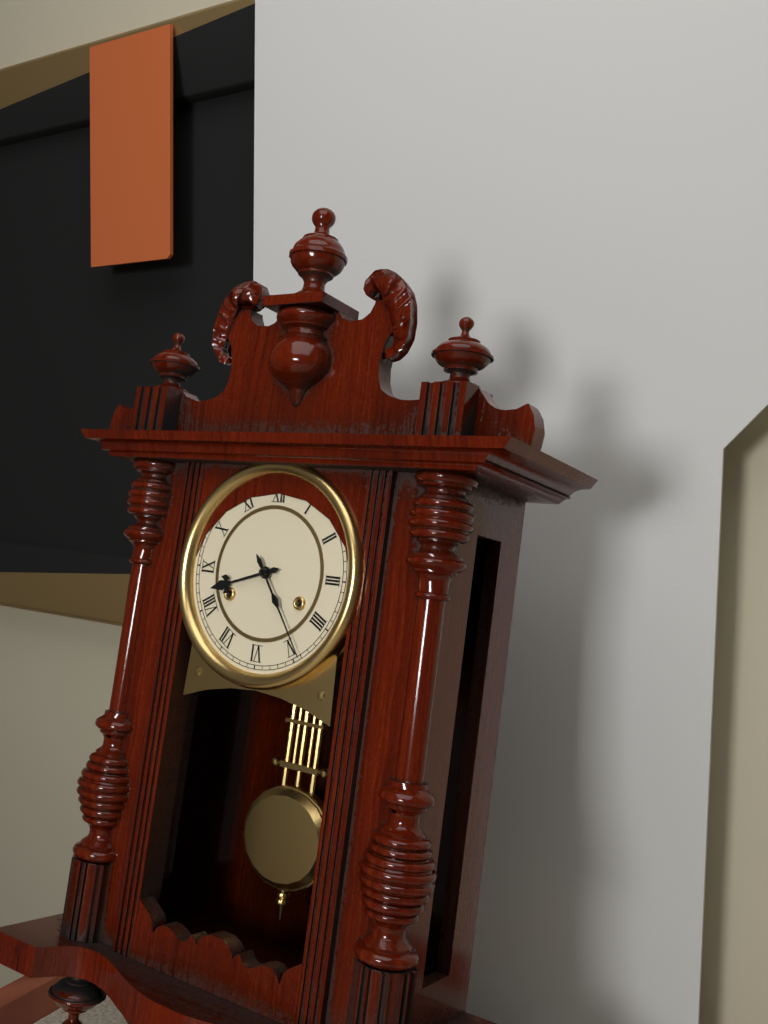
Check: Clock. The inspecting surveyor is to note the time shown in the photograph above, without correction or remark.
8:24
